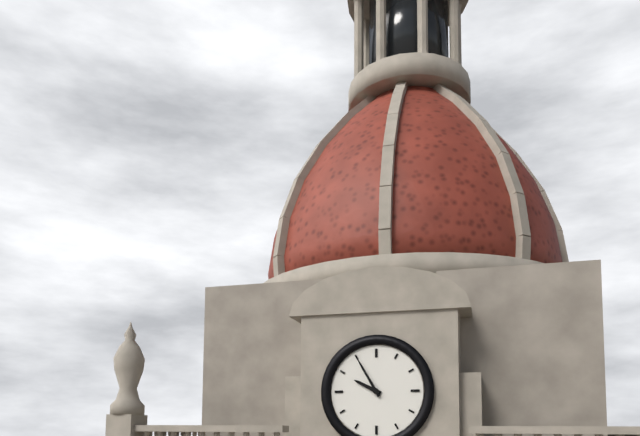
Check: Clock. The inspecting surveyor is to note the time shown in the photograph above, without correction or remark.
9:55
